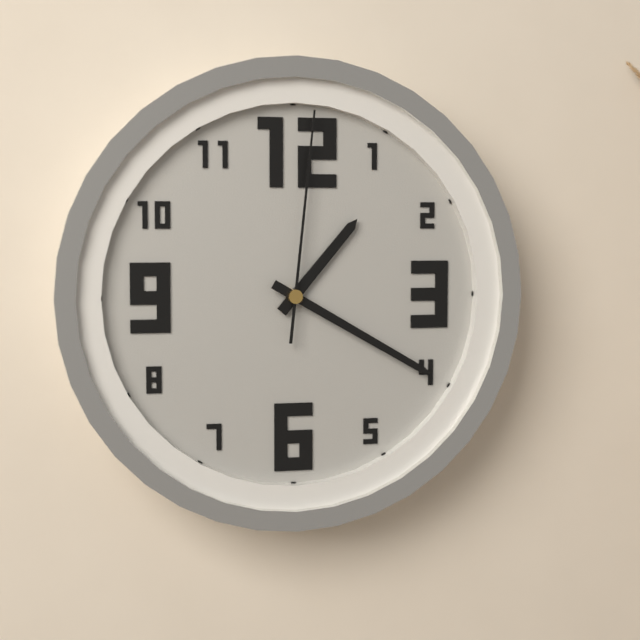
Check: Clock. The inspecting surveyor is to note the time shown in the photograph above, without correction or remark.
1:20:01
